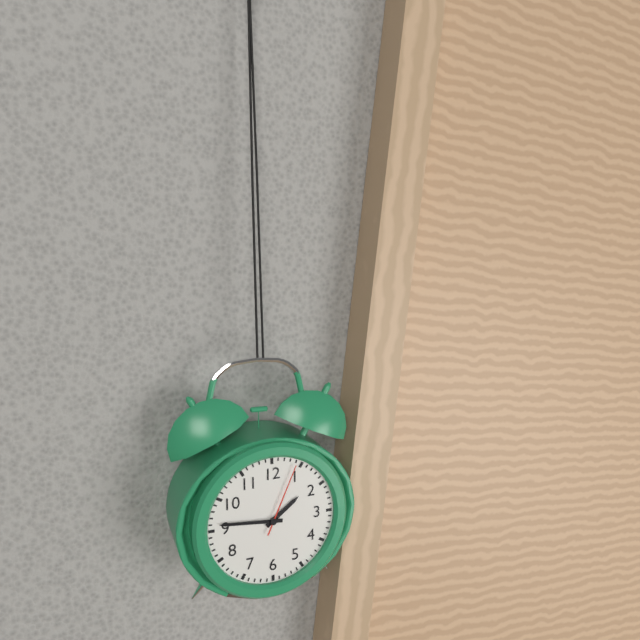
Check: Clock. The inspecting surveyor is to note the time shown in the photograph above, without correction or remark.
1:46:04
